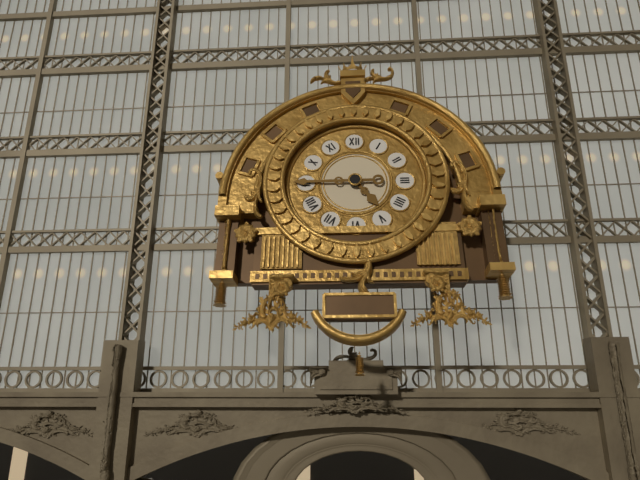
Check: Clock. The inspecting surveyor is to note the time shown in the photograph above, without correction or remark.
4:45
